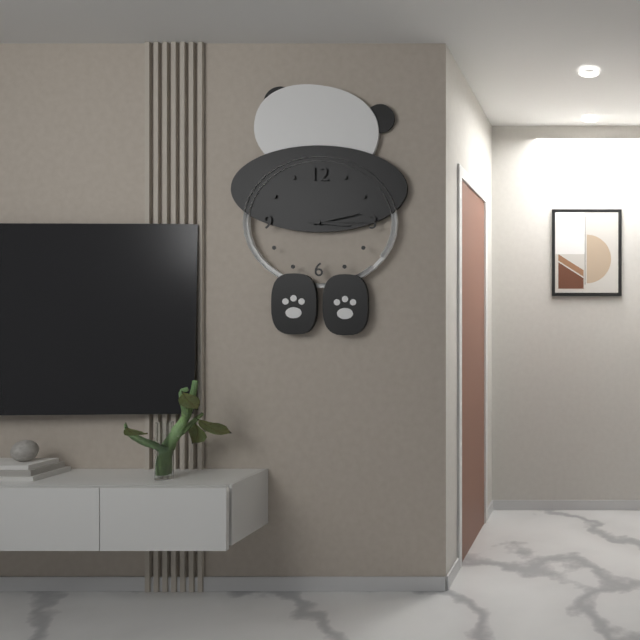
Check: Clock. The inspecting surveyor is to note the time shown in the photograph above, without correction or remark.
3:13:15
